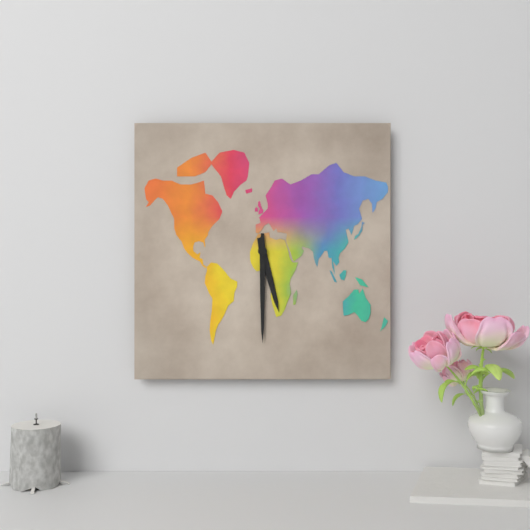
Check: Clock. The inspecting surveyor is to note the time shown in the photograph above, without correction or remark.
5:30
